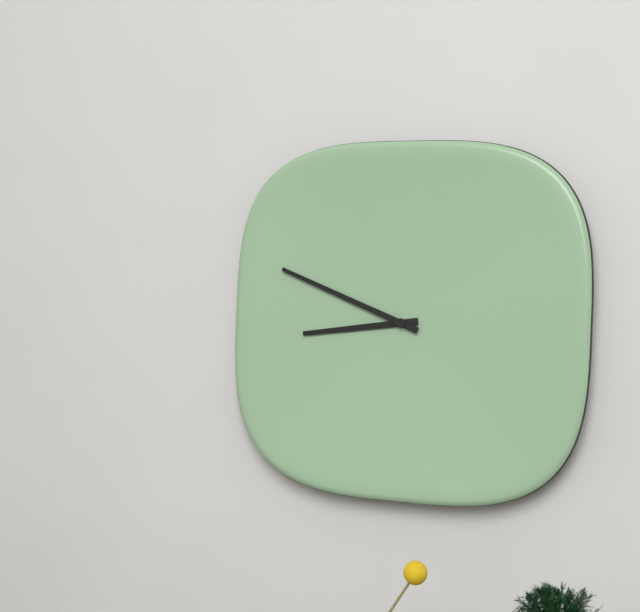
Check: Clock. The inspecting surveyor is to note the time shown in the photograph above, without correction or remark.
8:49
